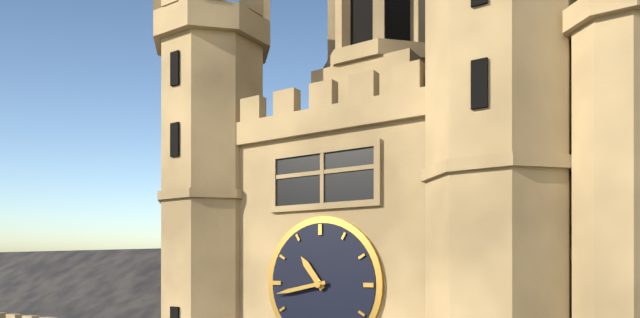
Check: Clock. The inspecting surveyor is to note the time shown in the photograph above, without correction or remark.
10:43
